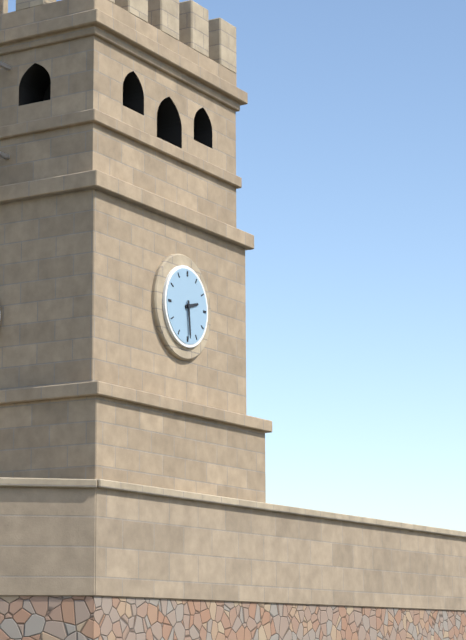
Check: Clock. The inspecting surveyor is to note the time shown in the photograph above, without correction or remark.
2:29
